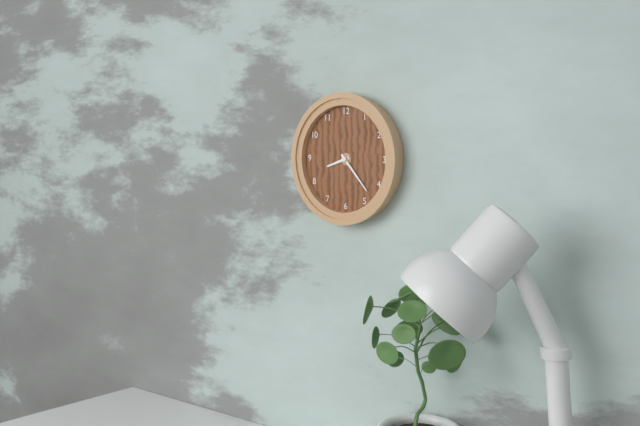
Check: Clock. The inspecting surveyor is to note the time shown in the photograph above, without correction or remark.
8:23
